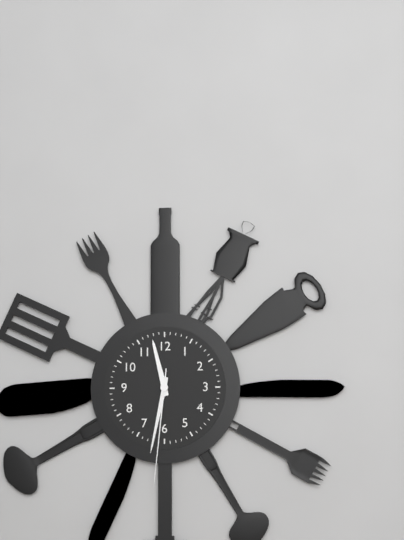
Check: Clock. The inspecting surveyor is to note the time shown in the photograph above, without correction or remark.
11:32:31
